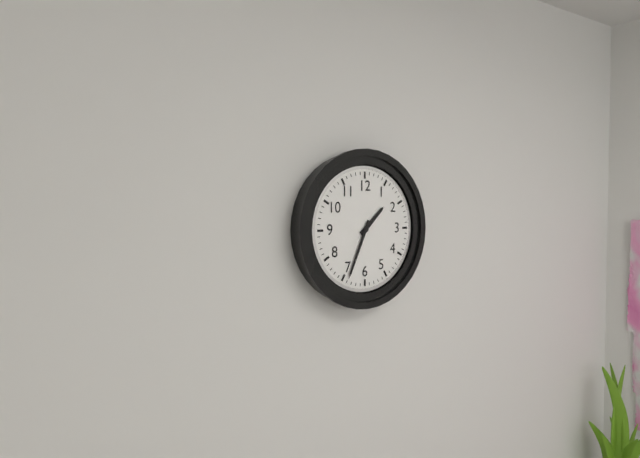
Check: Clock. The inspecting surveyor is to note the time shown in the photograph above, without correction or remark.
1:34
